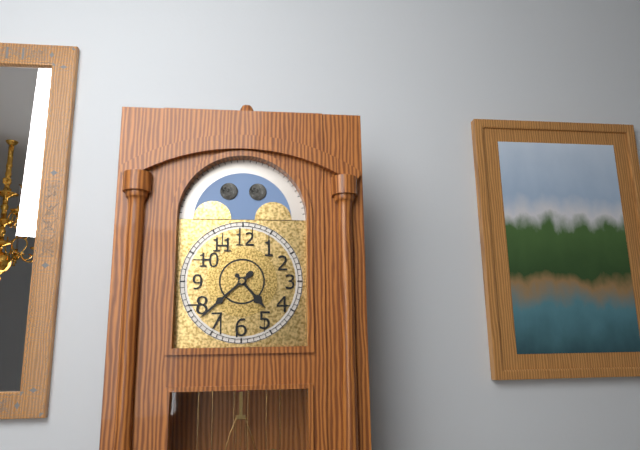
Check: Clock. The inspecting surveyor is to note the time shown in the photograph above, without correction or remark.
4:38
